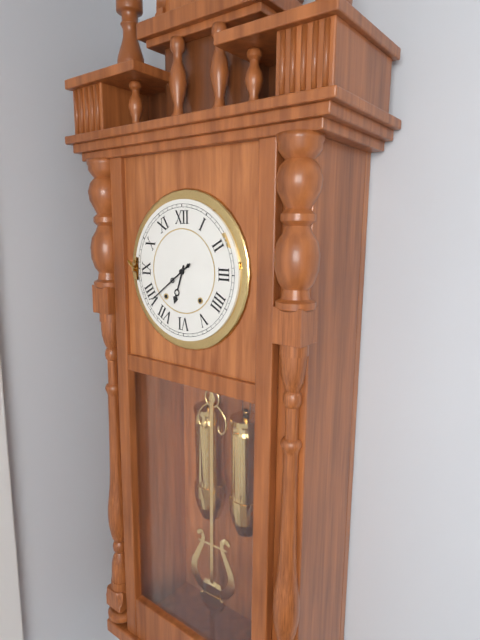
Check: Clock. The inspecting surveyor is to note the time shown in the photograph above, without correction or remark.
6:39
